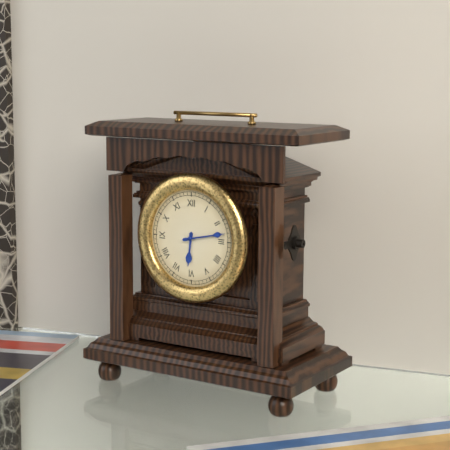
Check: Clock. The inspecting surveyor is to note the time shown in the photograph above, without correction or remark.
6:13
